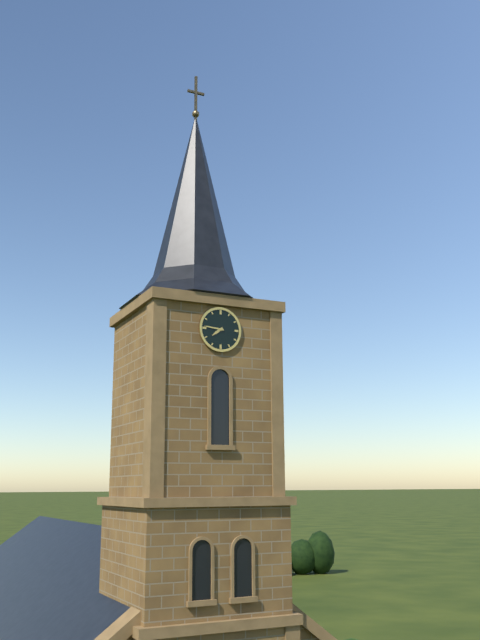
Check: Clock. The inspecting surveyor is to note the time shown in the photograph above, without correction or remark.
7:46
